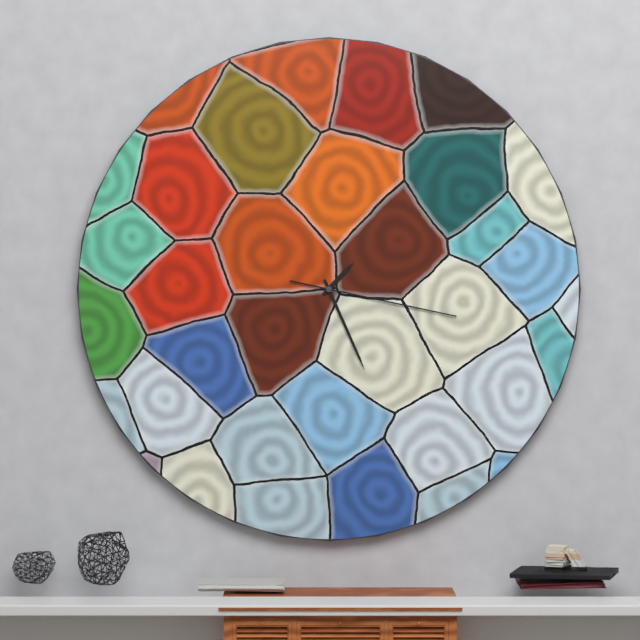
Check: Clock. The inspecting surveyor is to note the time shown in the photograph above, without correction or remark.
1:26:17
